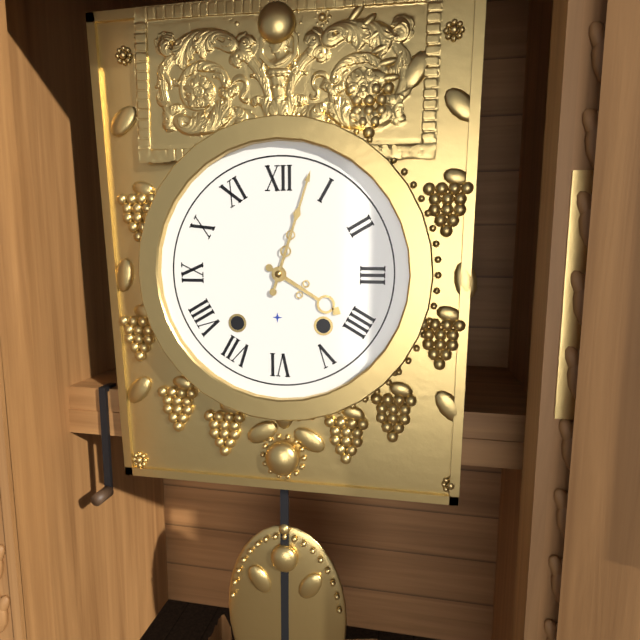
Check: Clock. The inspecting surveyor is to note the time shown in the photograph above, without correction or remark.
4:03
